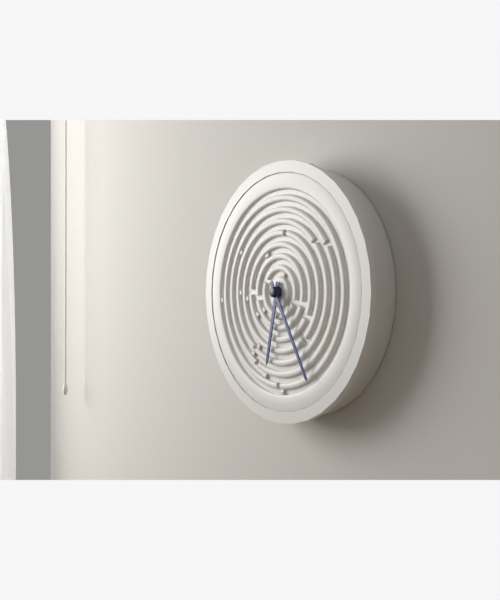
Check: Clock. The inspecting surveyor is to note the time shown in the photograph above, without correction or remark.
6:25
